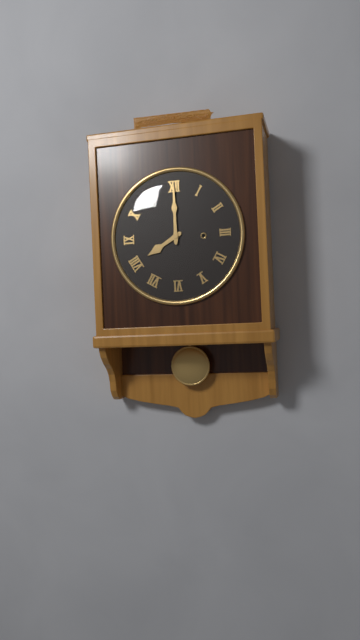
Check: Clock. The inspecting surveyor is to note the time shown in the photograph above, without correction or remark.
8:00
